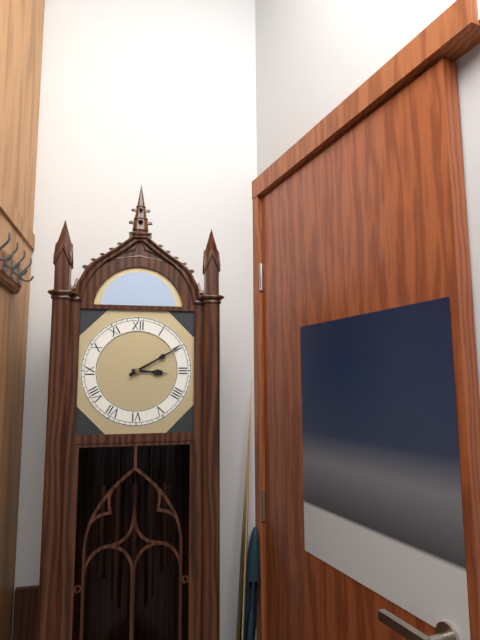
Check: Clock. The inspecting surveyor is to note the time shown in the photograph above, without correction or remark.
3:10
